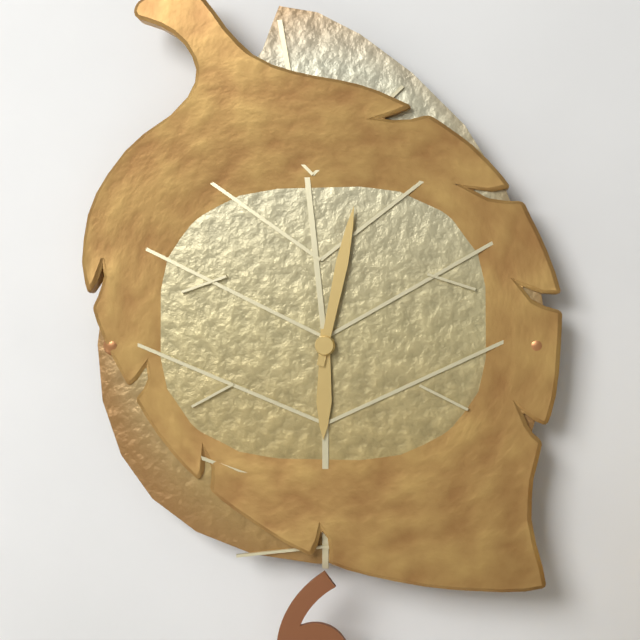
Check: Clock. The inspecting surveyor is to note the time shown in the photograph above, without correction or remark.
6:02
